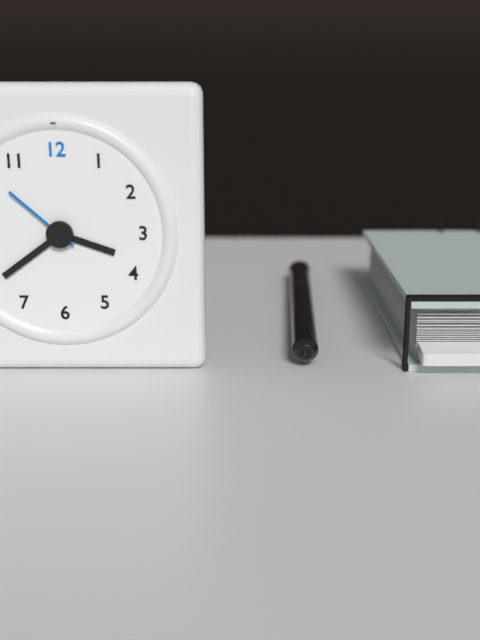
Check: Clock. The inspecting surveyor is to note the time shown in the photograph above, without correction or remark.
3:39:52
